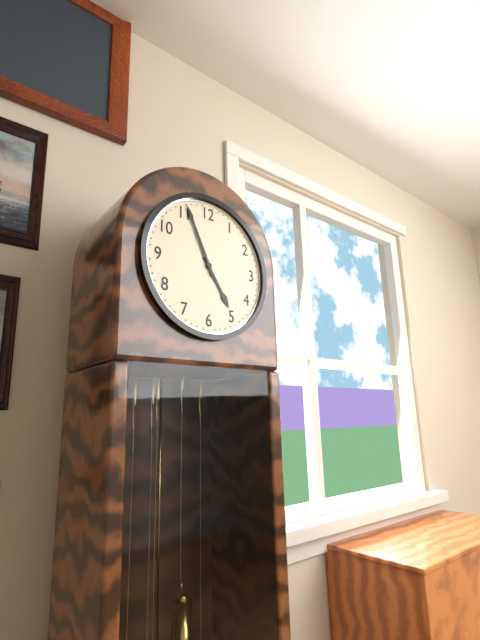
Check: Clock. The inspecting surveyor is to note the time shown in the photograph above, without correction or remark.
4:56
